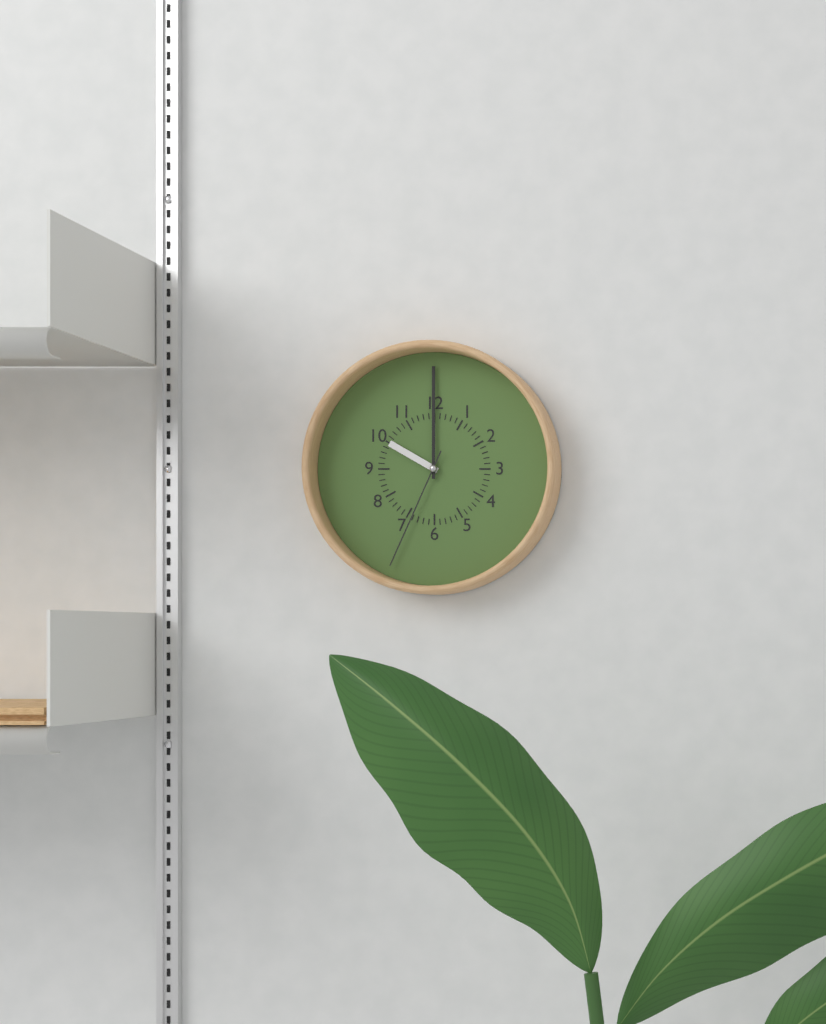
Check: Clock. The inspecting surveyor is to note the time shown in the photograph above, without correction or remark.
10:00:34
